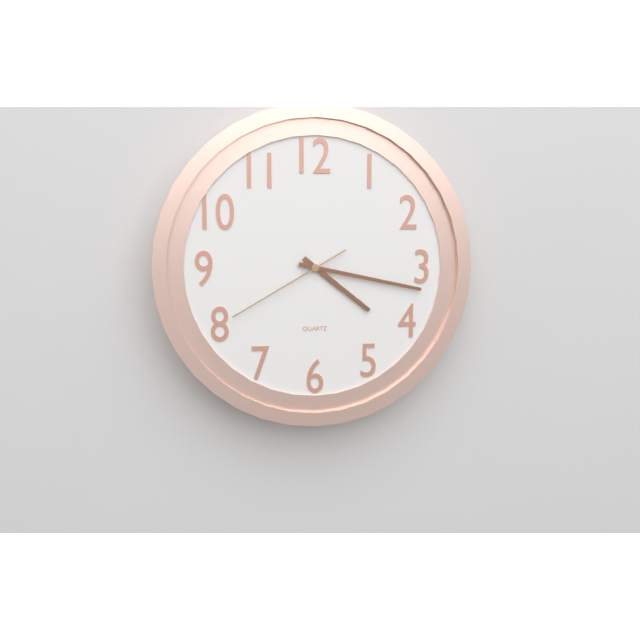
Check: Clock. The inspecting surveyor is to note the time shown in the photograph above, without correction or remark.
4:17:40
